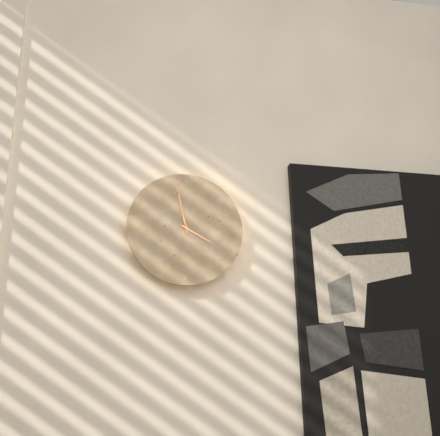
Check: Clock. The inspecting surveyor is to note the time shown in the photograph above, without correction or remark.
3:58:57
